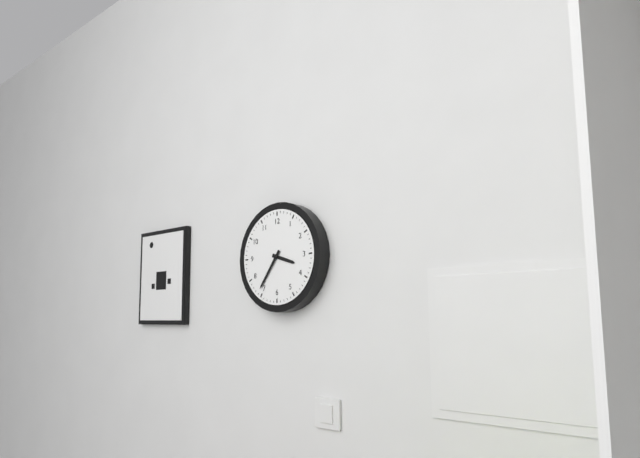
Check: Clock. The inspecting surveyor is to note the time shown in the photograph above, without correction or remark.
3:36
